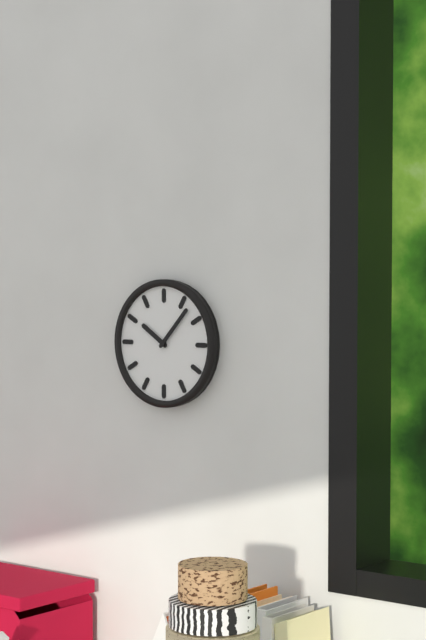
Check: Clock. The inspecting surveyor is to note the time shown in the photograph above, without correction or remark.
10:07
